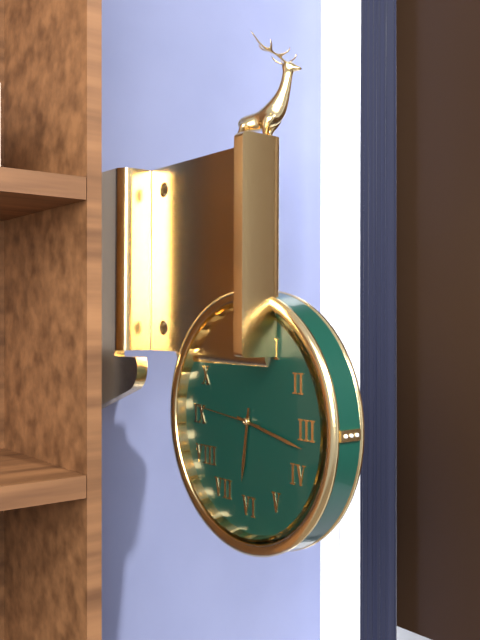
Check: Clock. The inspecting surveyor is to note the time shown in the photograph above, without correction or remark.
6:17:46
